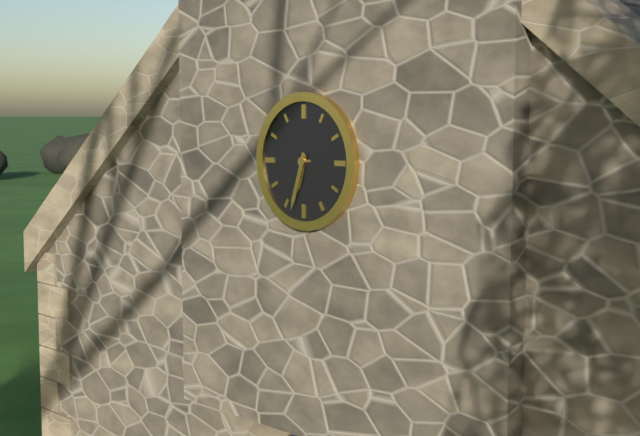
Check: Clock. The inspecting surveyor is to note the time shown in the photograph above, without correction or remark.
6:33
